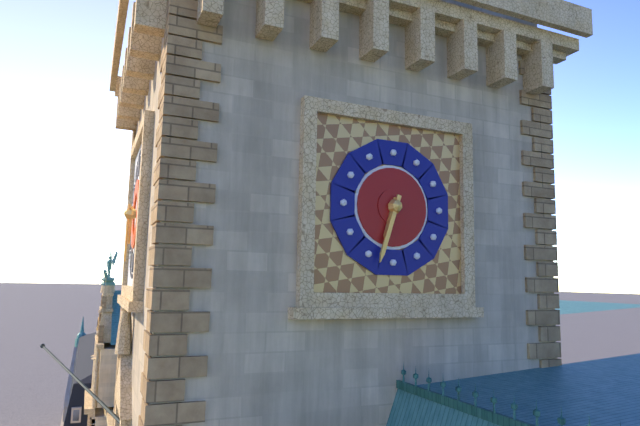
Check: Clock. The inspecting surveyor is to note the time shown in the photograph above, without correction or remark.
6:33
